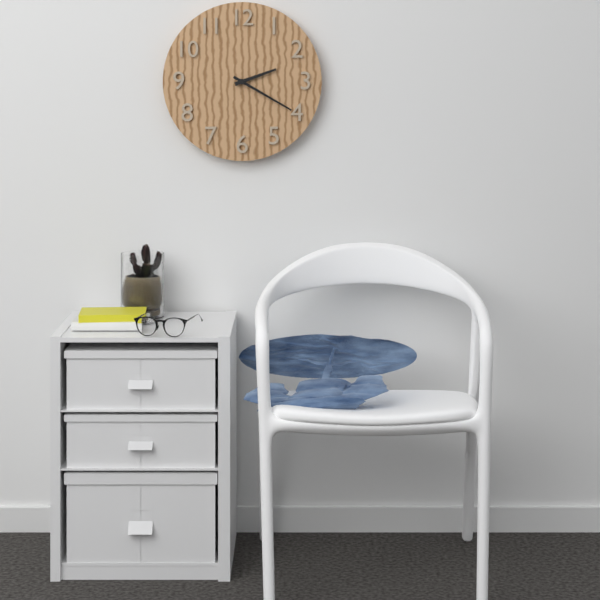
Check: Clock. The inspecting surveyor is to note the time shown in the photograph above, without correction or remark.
2:20
